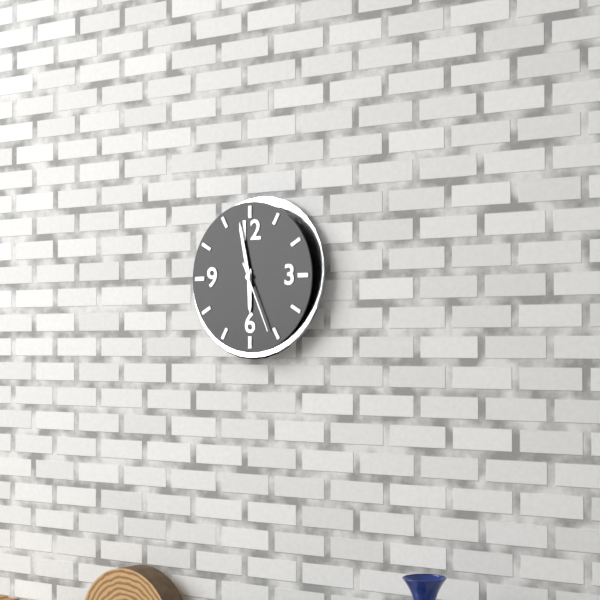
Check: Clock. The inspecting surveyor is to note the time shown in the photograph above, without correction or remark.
5:58:26
